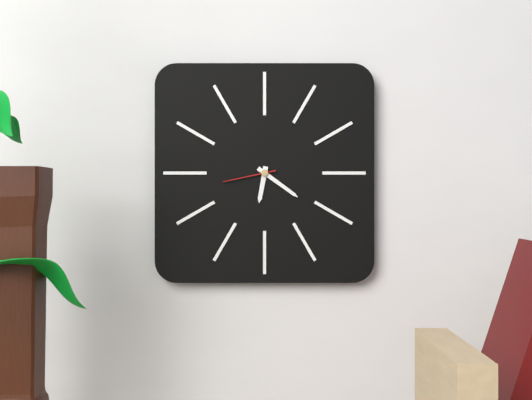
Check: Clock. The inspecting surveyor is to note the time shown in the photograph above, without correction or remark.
6:21:43
